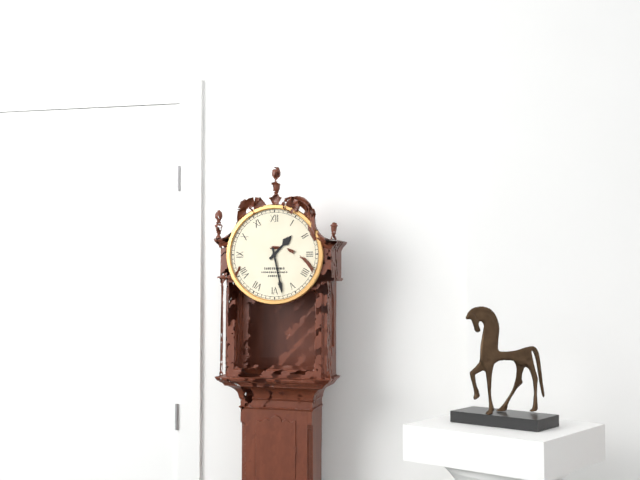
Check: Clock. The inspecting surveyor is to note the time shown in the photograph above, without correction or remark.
1:28
